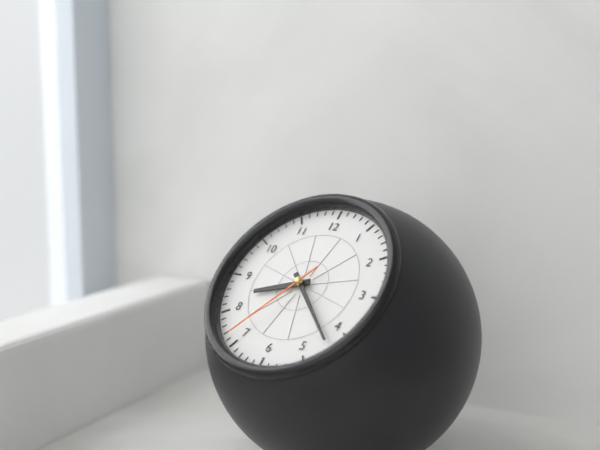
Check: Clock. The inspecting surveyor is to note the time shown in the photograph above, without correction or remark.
8:22:36
